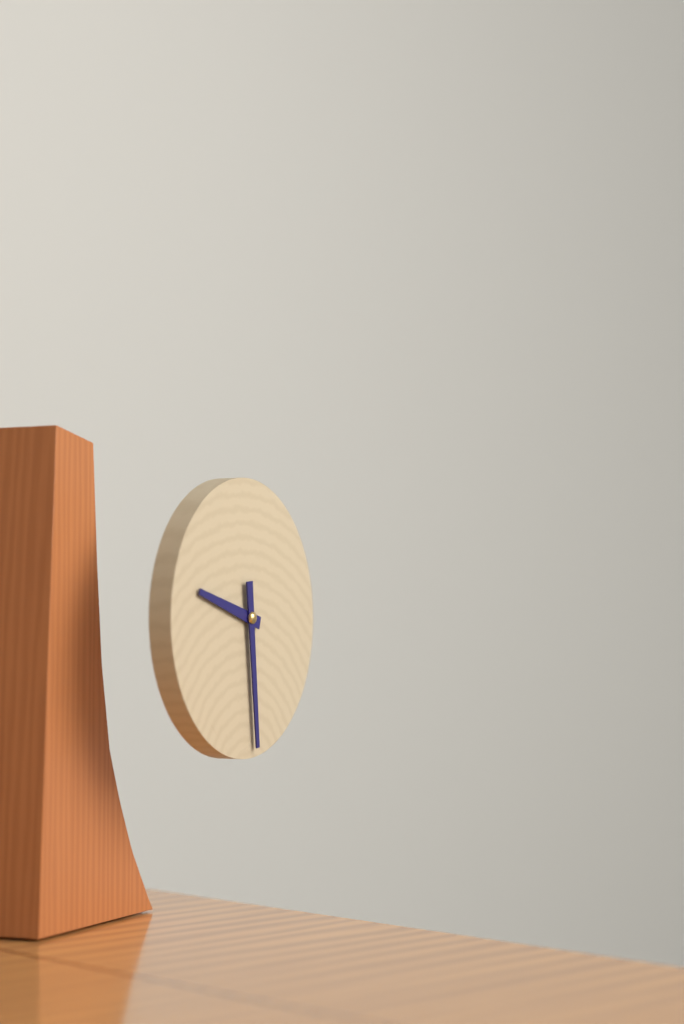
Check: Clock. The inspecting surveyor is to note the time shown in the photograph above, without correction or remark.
9:29
